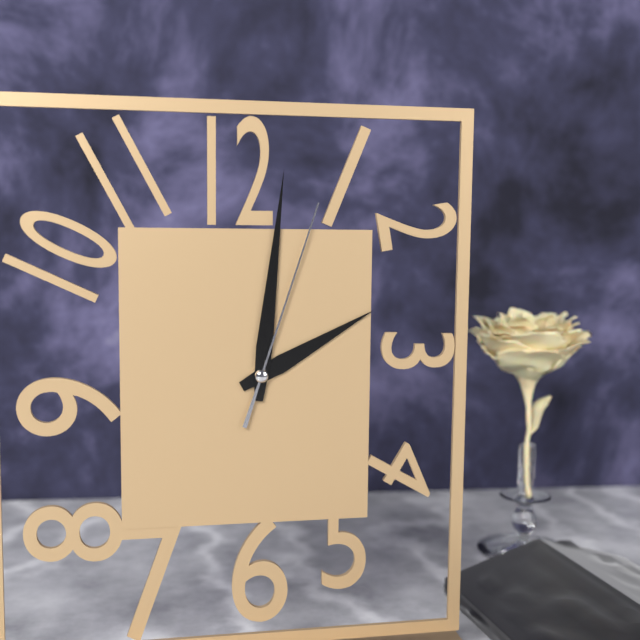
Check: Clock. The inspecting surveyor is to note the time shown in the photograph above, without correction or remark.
2:01:03
